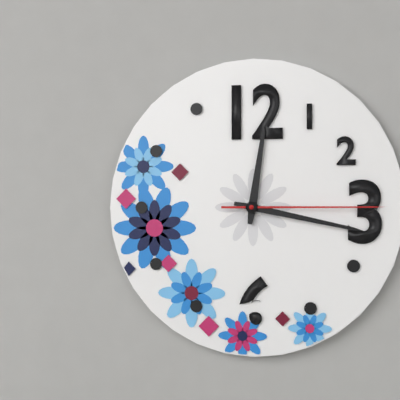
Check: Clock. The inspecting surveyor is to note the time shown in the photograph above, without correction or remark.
12:17:15
